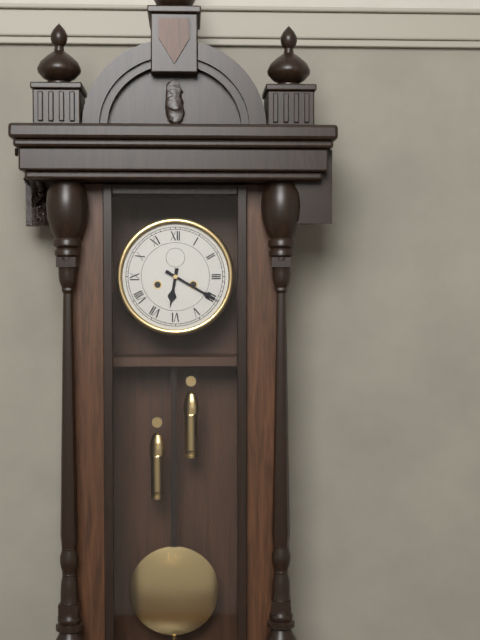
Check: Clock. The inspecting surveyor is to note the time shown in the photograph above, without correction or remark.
6:20
